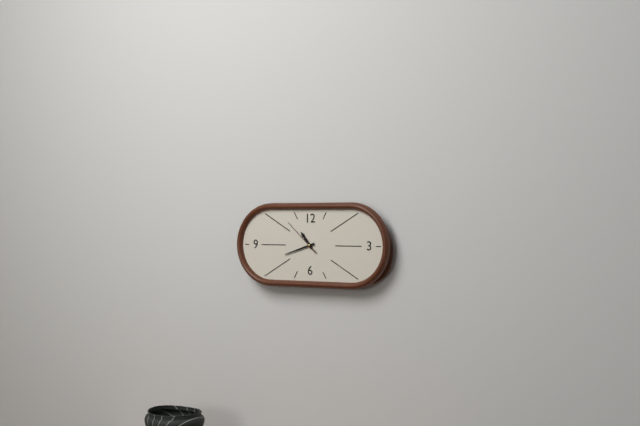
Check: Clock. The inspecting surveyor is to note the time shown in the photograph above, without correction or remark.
10:42
